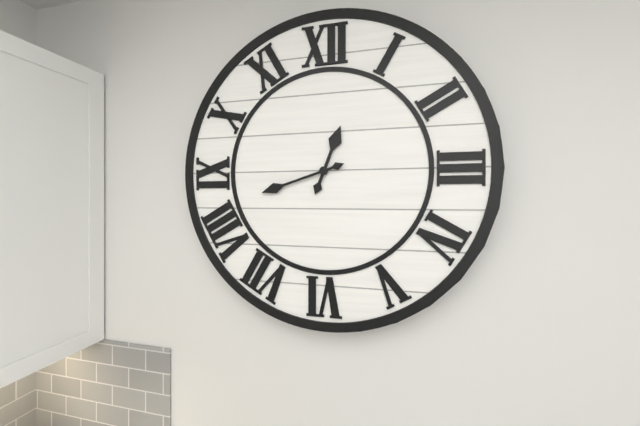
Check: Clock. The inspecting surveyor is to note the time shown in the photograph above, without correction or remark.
12:42
